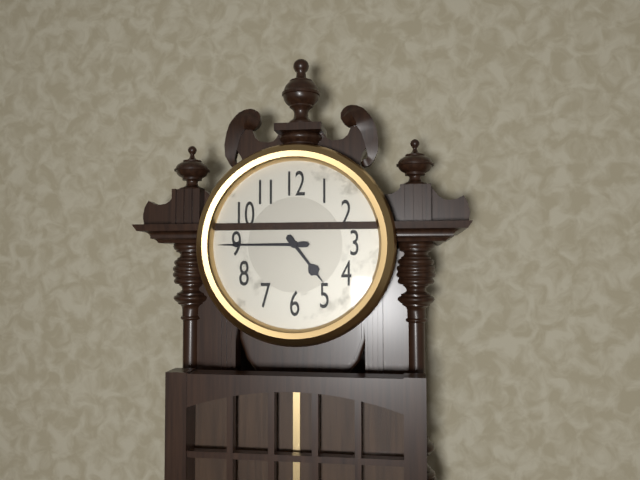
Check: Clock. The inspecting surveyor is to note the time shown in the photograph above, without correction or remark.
4:45
